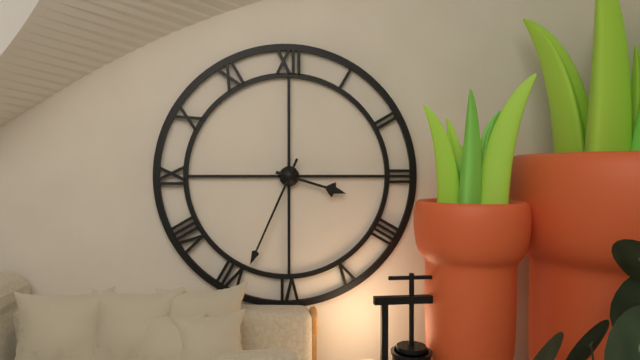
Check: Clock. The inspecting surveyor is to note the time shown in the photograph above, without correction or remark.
3:34
